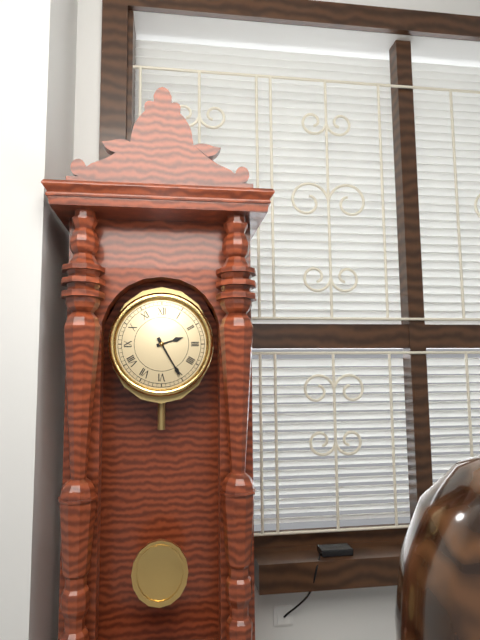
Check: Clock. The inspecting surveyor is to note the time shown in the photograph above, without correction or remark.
2:25
